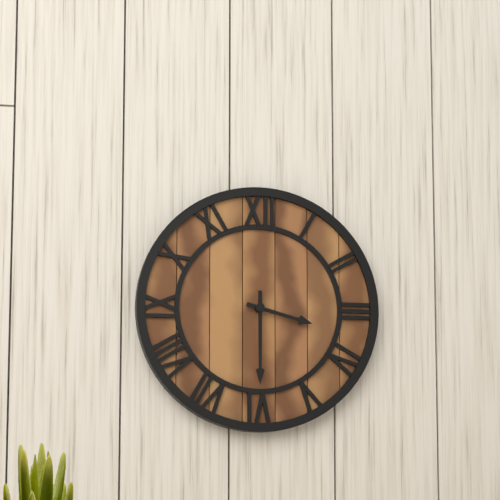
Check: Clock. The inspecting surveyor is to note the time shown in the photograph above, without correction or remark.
3:30
